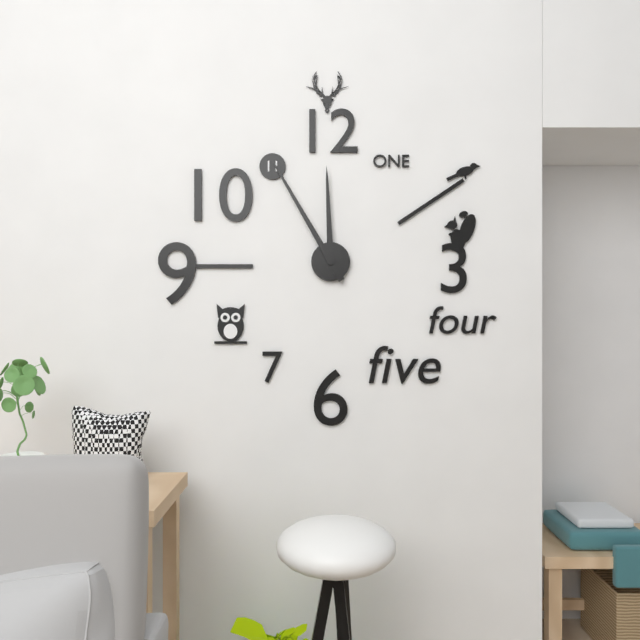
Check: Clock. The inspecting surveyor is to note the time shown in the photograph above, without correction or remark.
11:55
